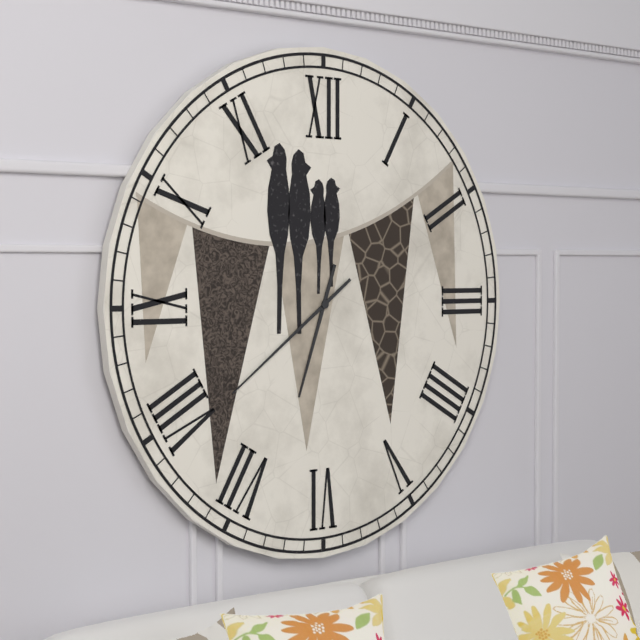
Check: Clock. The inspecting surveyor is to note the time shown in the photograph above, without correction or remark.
6:39
